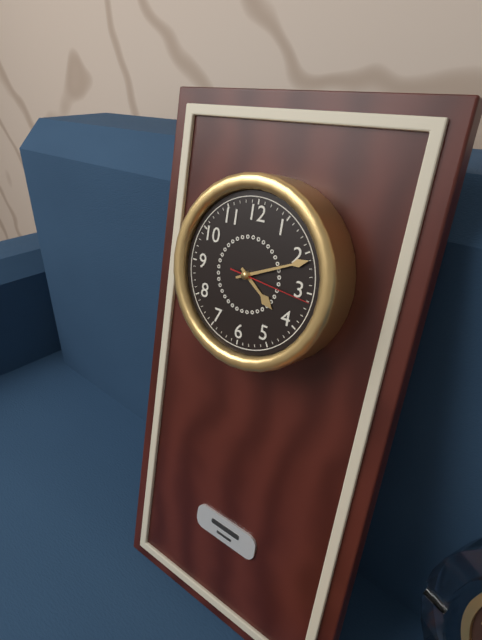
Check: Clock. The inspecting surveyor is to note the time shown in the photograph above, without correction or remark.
4:11:16
